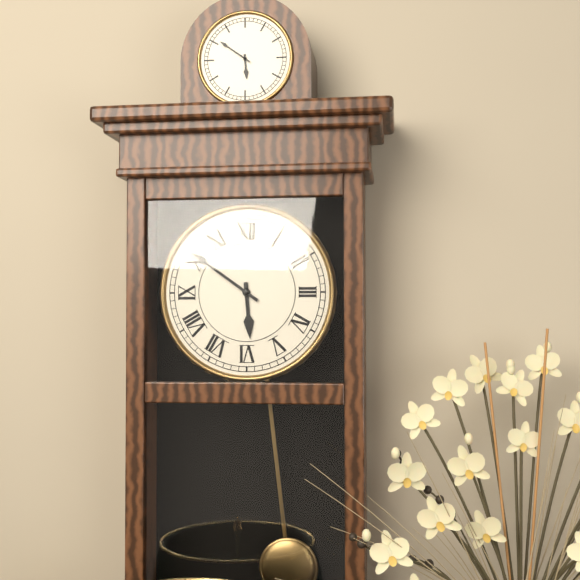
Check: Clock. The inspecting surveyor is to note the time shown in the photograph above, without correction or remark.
5:51
